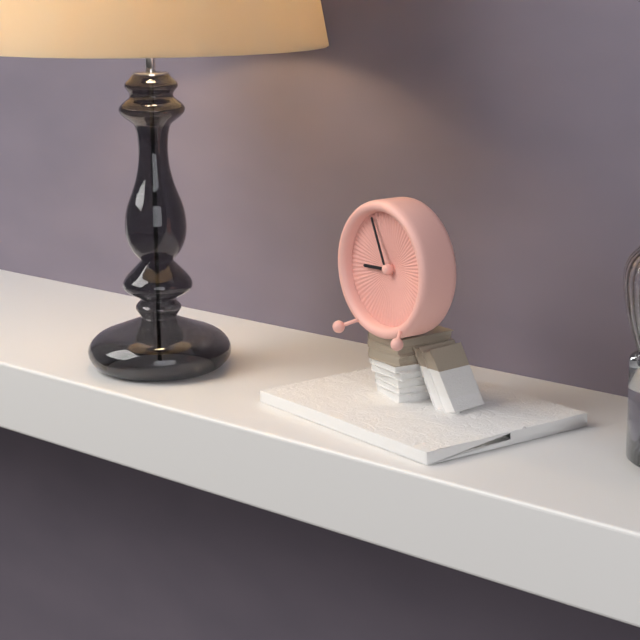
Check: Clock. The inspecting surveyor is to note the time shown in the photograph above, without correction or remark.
8:56
